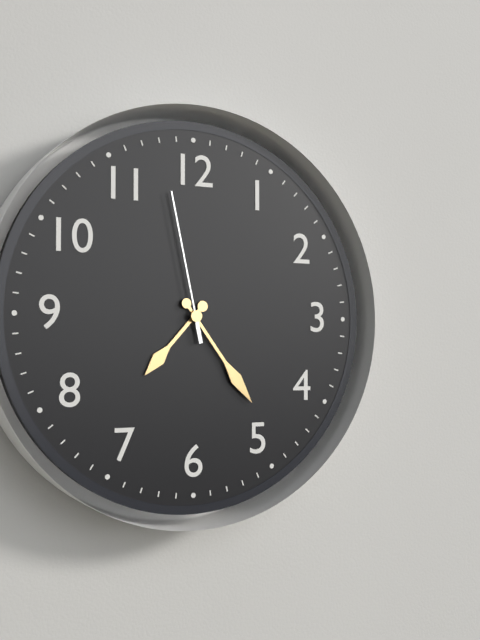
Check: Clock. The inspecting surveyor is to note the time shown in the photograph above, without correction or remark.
7:24:58
